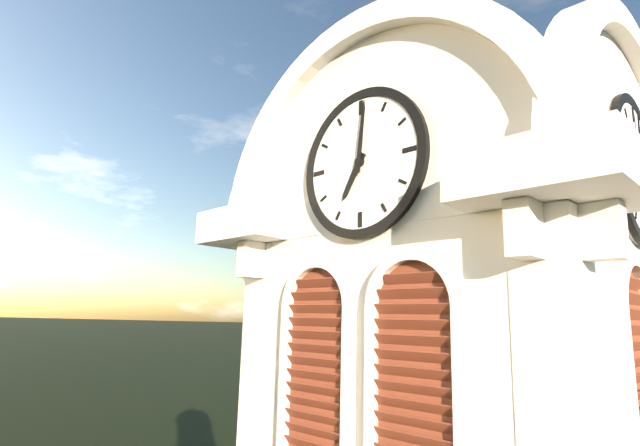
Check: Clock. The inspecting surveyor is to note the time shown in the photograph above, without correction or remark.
7:01
